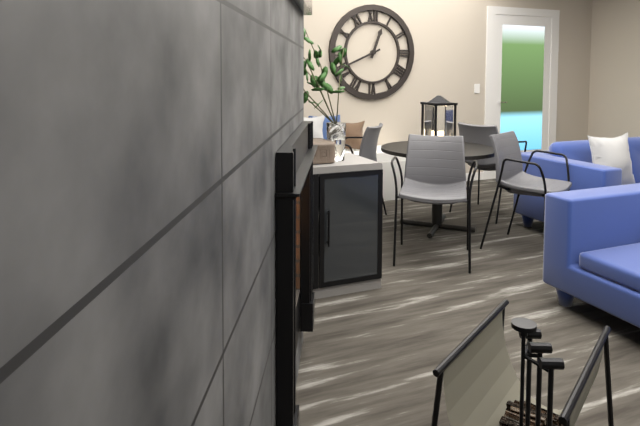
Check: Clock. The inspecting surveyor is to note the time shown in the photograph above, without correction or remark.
12:41
